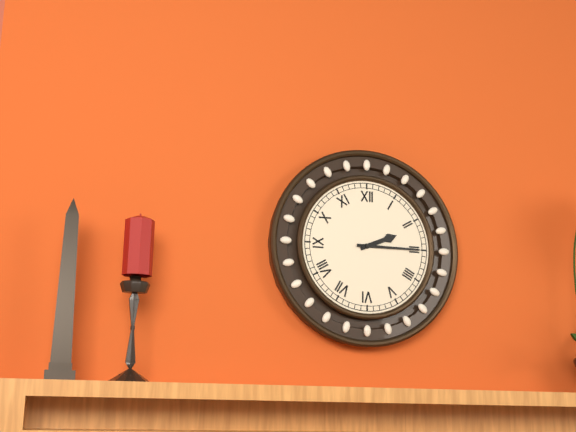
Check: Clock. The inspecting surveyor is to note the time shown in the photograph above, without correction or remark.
2:15
